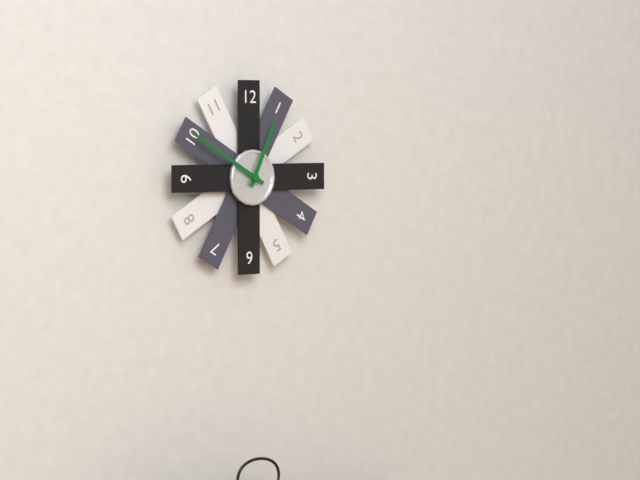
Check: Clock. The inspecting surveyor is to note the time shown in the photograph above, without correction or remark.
12:50
